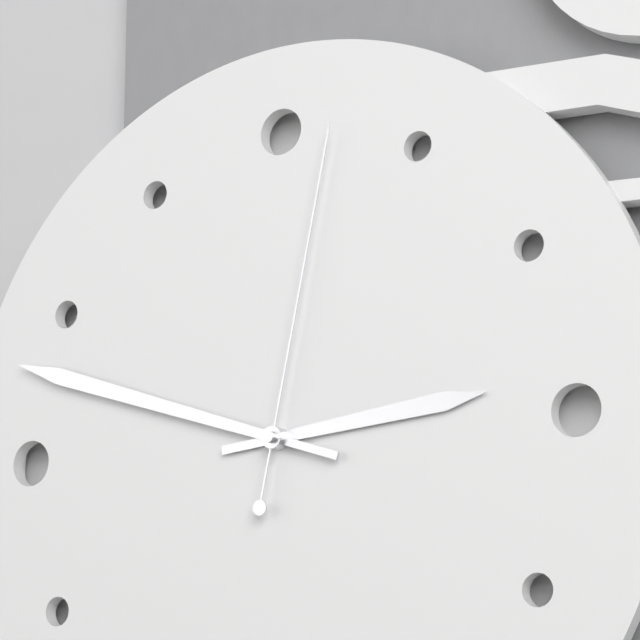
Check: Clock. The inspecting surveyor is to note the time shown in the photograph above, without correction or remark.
2:48:02
